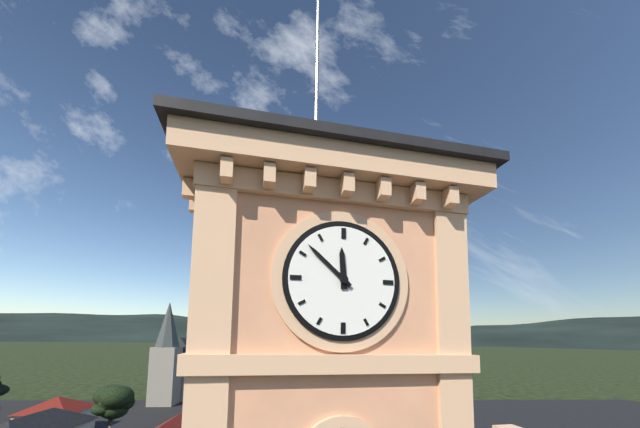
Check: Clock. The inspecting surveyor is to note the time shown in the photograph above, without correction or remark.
11:52
